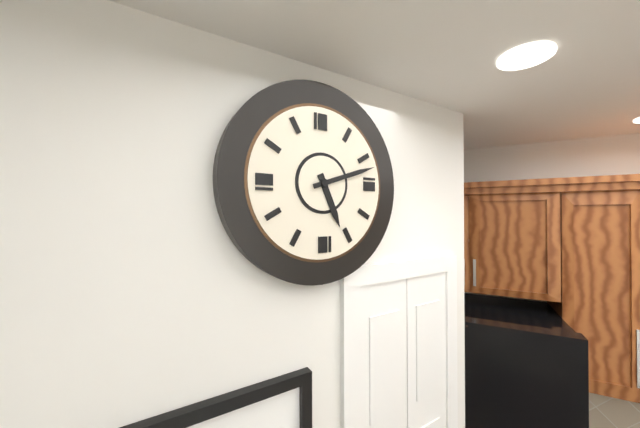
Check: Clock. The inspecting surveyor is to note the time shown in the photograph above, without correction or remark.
5:12
